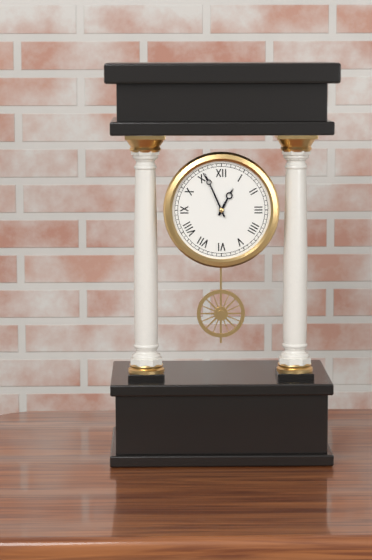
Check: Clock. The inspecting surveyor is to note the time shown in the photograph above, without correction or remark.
12:56
